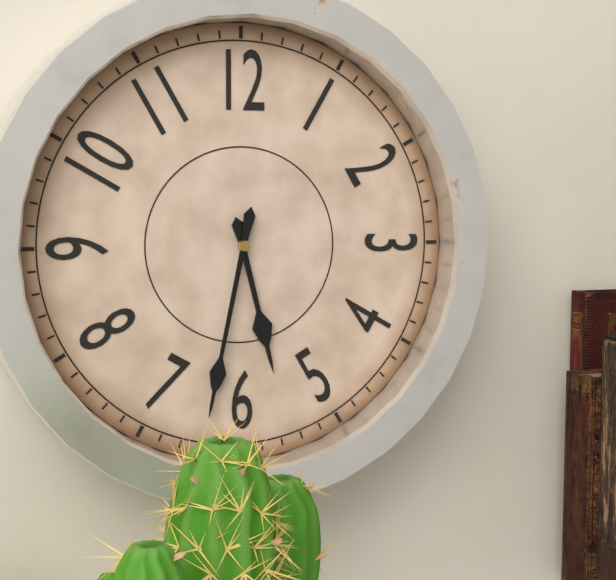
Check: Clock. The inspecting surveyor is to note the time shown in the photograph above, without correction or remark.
5:32
